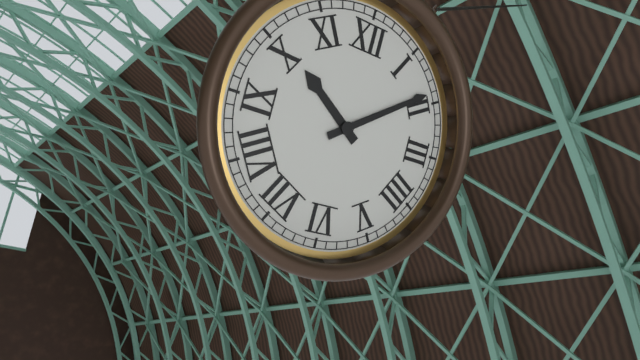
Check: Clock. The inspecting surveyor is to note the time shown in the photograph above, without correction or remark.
10:09
